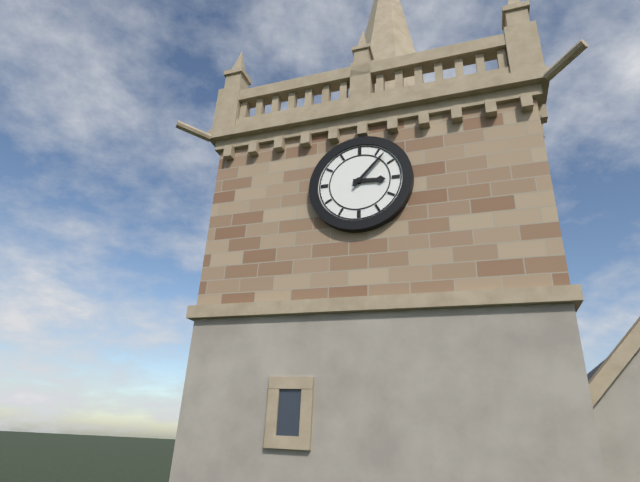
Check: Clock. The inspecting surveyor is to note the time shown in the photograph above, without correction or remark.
3:07
